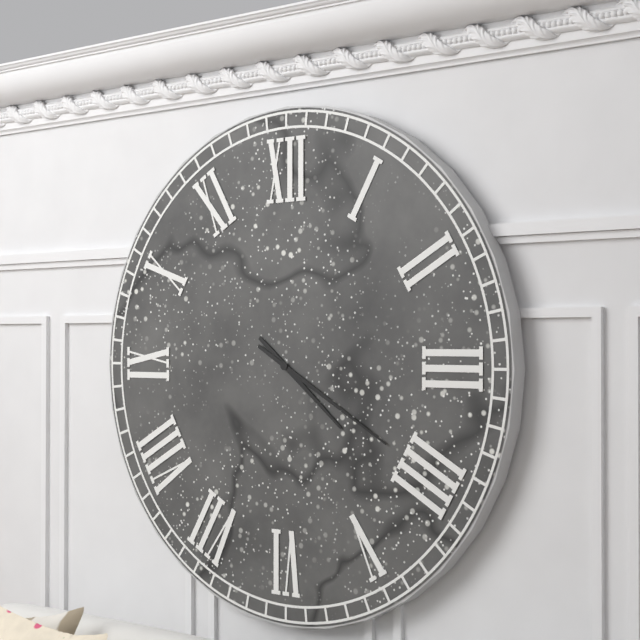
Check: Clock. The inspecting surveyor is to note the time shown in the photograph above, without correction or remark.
4:20
